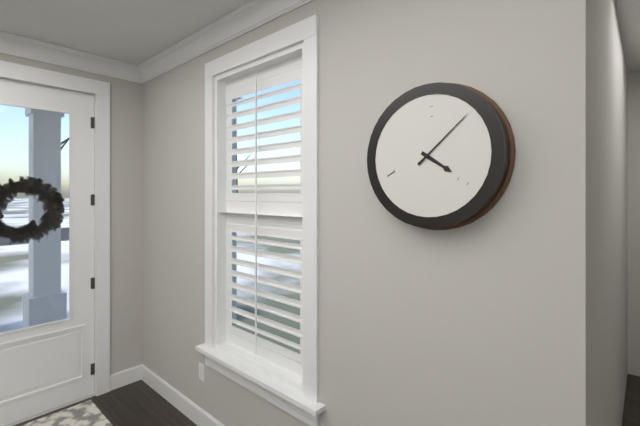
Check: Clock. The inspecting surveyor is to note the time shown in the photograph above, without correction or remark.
4:08
